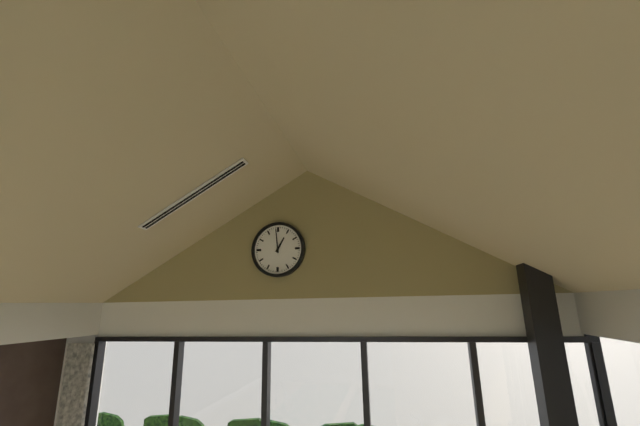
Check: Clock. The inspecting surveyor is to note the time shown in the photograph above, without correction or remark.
12:59
